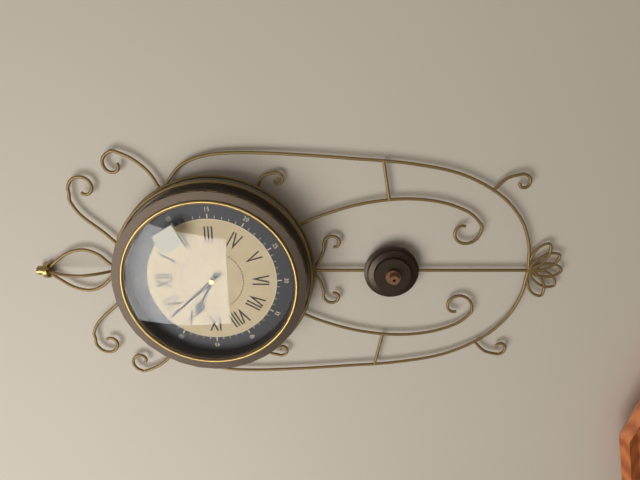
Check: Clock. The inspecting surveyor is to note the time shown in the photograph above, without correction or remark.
9:53
